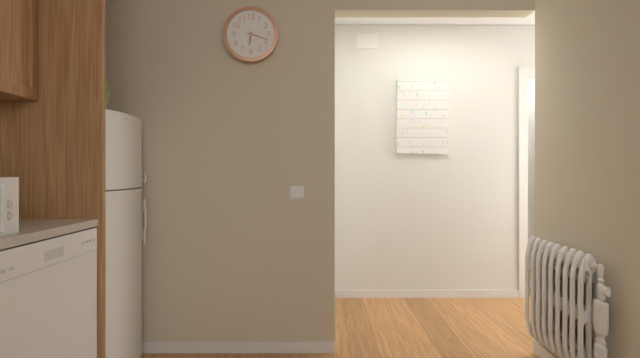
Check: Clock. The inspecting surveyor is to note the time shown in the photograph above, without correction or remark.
6:18
